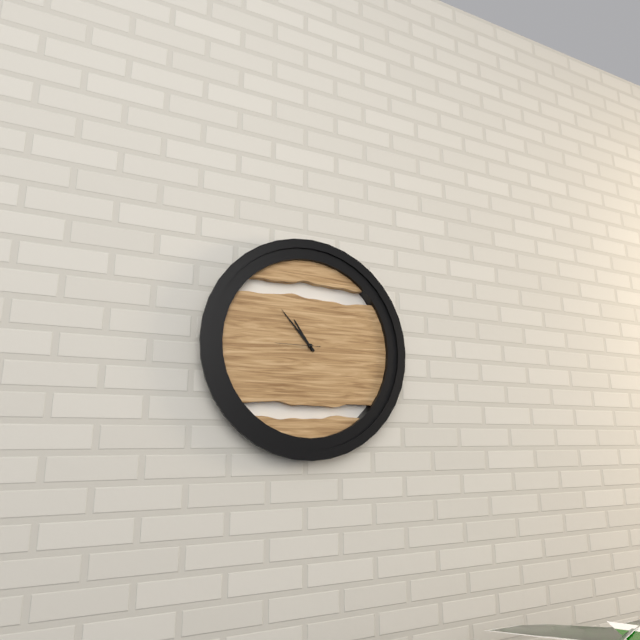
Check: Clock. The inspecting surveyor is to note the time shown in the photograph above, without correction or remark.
10:53
